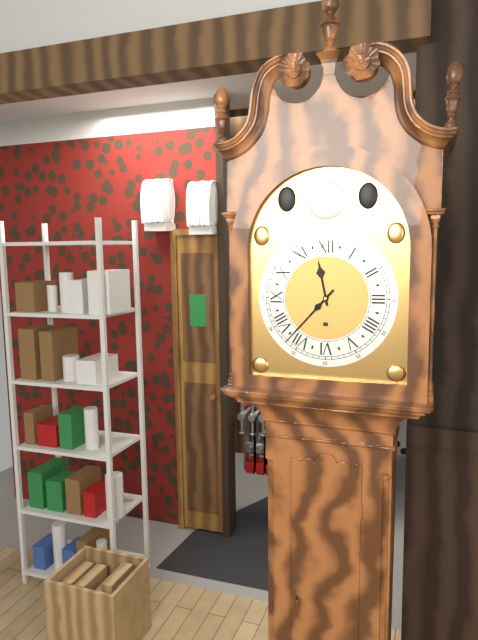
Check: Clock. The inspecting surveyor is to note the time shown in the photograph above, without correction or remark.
11:37
